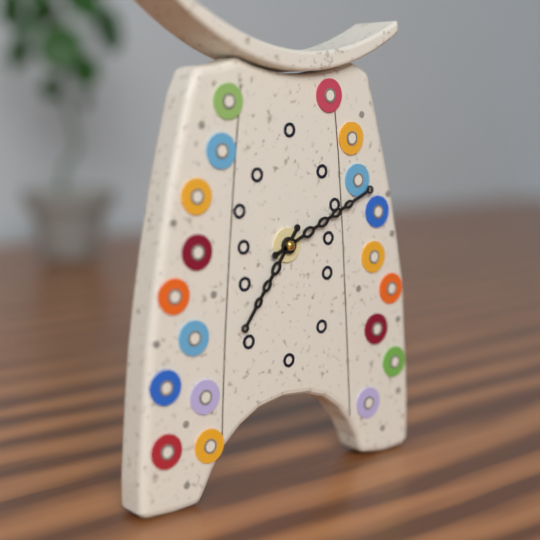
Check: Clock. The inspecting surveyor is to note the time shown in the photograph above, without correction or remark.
7:11
